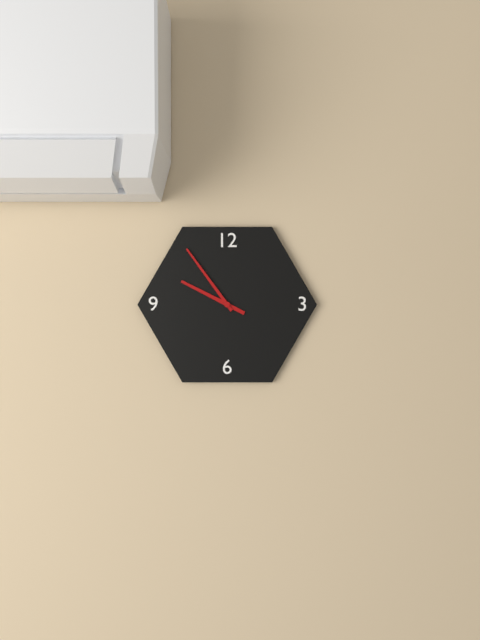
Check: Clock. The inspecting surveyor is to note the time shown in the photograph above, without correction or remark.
9:54
